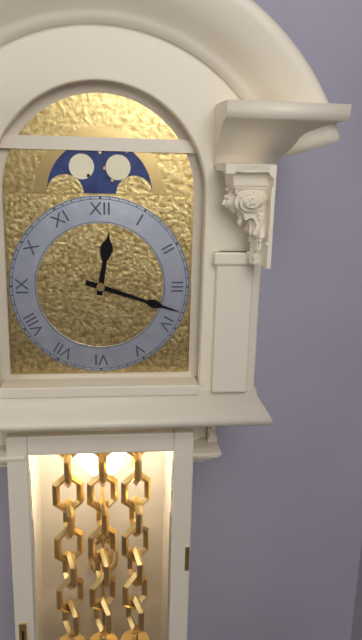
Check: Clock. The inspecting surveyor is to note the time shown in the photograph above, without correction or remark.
12:18
